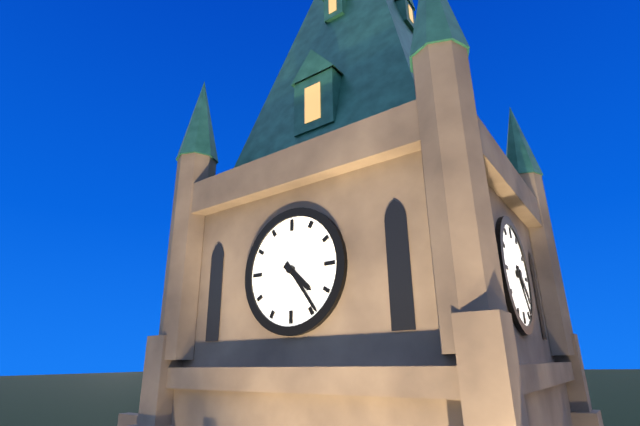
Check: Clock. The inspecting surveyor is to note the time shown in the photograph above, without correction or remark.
4:24
